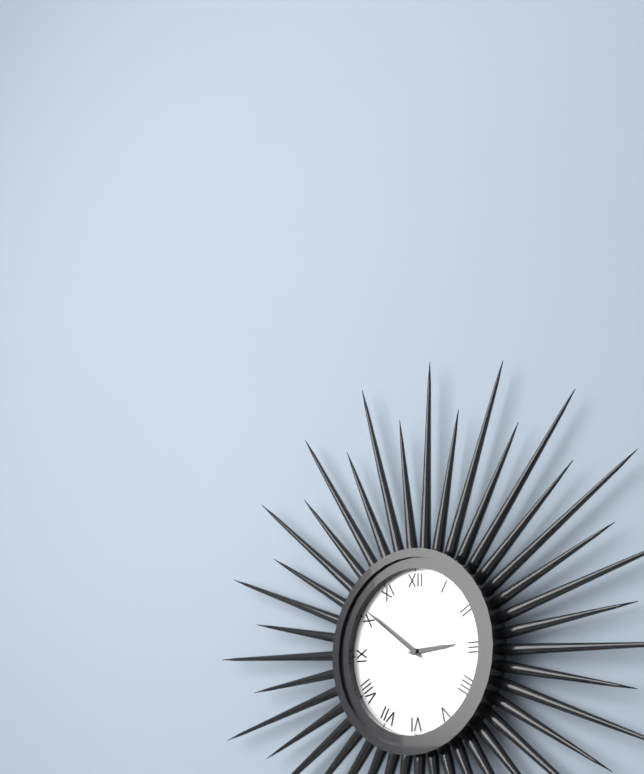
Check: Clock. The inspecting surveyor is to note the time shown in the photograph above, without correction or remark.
2:51
